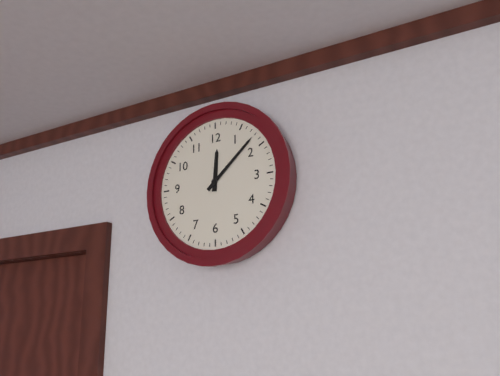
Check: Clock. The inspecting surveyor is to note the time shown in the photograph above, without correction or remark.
12:08
